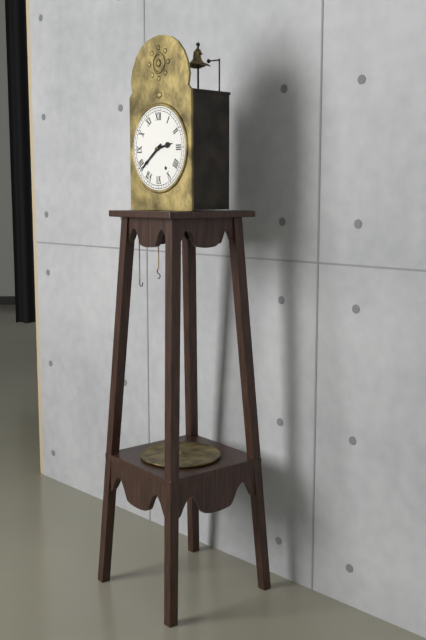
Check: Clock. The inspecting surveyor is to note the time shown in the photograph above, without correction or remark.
2:39
